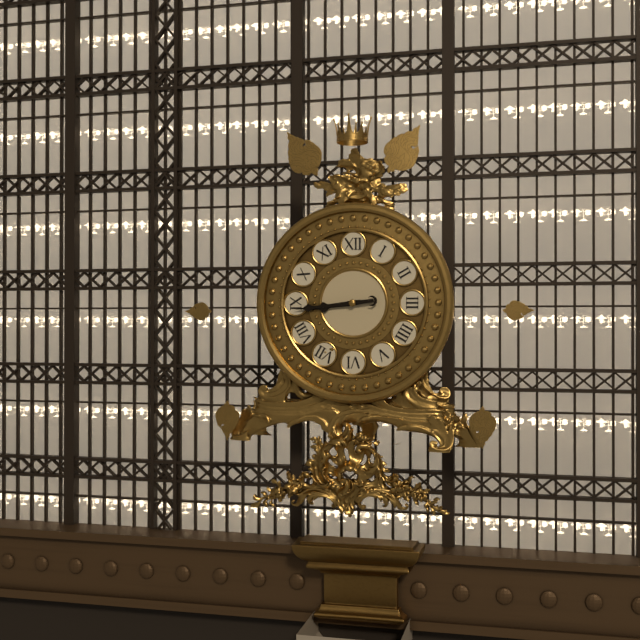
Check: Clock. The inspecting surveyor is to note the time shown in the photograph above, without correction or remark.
8:44
